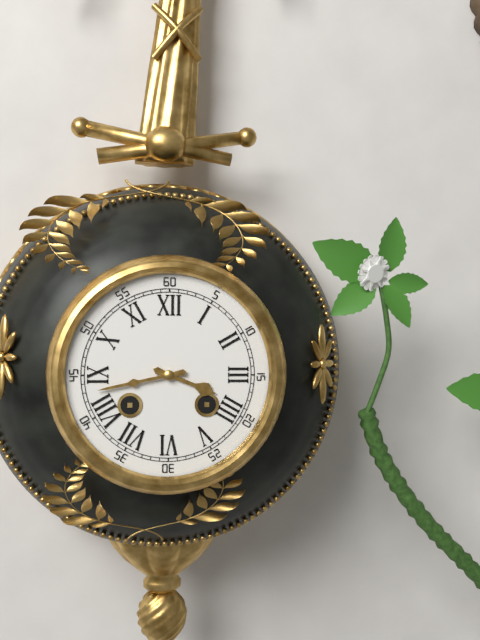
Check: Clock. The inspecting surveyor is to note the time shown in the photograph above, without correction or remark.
3:43
